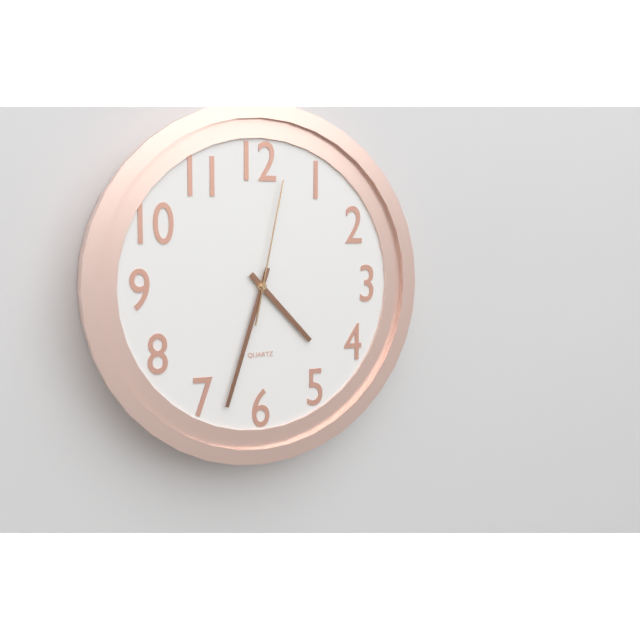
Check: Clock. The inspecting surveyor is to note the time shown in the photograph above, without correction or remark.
4:33:02
